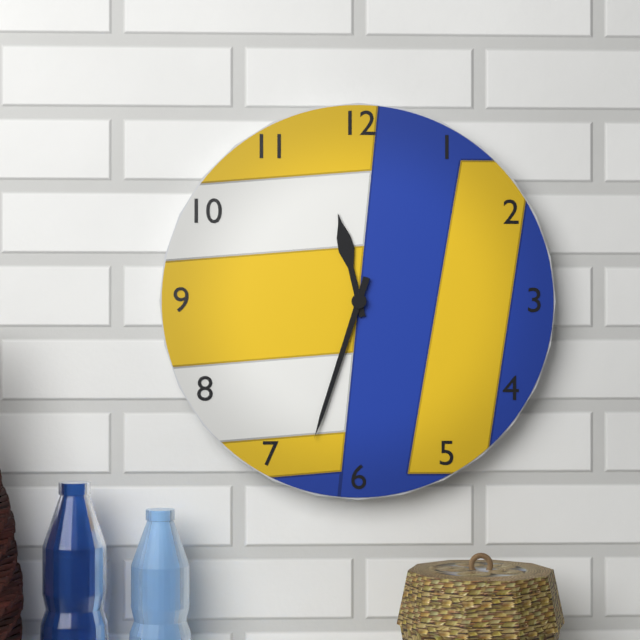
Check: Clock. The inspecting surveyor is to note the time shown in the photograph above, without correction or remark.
11:33
